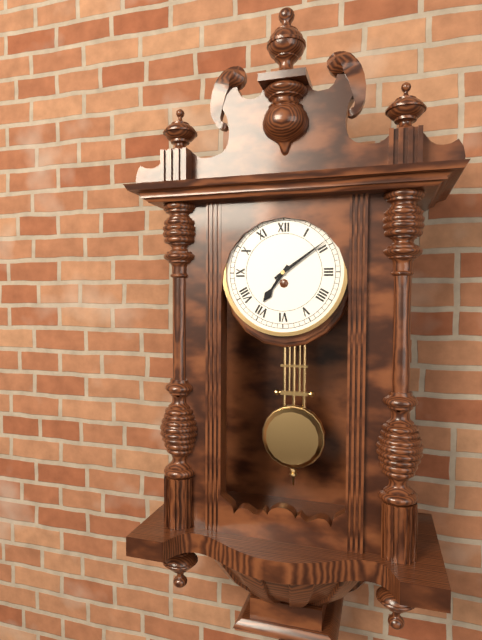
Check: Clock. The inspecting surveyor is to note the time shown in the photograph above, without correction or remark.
7:09
